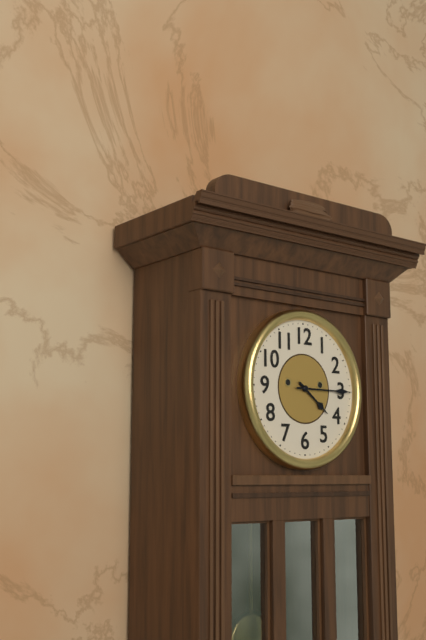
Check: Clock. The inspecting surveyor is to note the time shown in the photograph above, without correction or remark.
4:15
